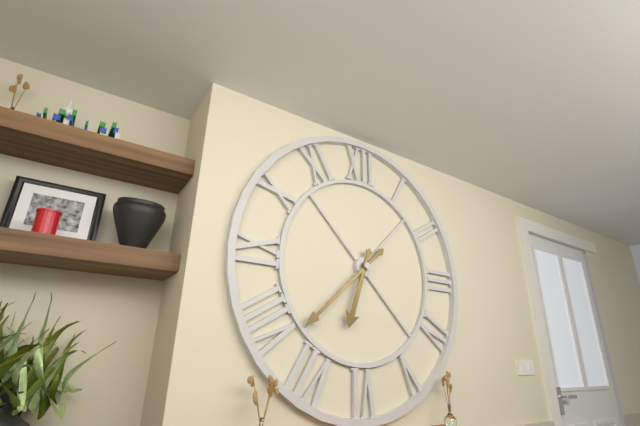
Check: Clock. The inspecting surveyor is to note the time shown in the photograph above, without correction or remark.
6:38
